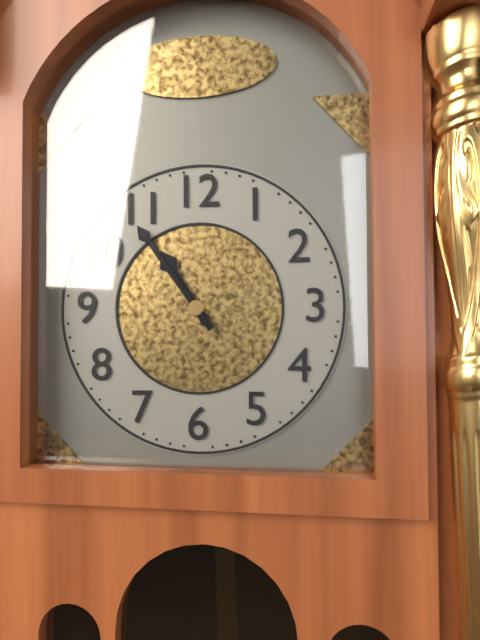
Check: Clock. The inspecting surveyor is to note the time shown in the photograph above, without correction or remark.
10:54
